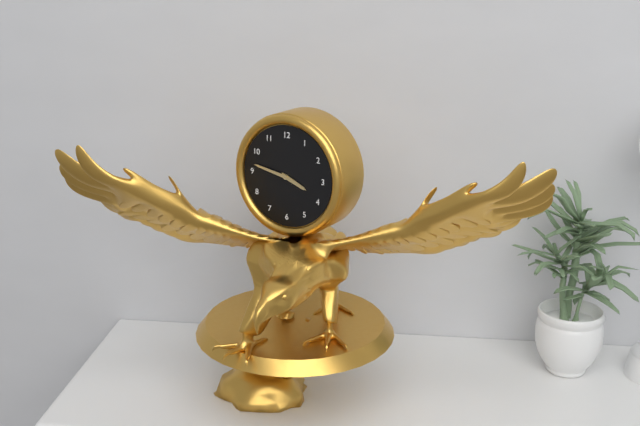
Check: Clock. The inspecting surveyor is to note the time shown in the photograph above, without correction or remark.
3:47
